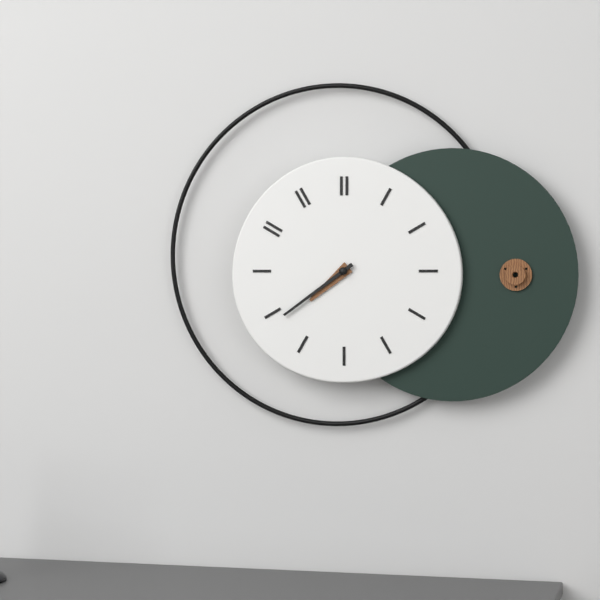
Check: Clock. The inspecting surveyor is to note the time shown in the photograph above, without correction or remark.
7:39
